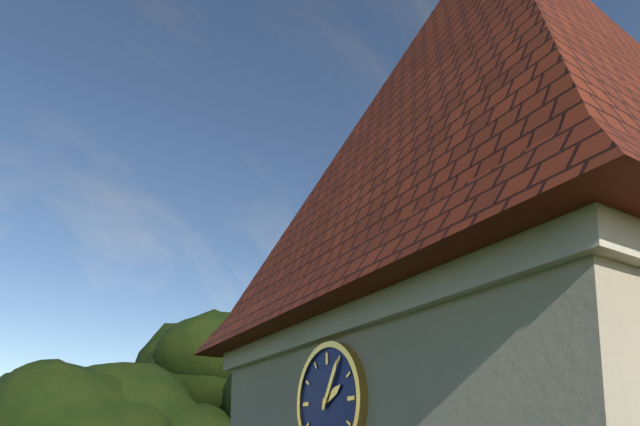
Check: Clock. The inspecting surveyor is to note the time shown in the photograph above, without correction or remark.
2:05
